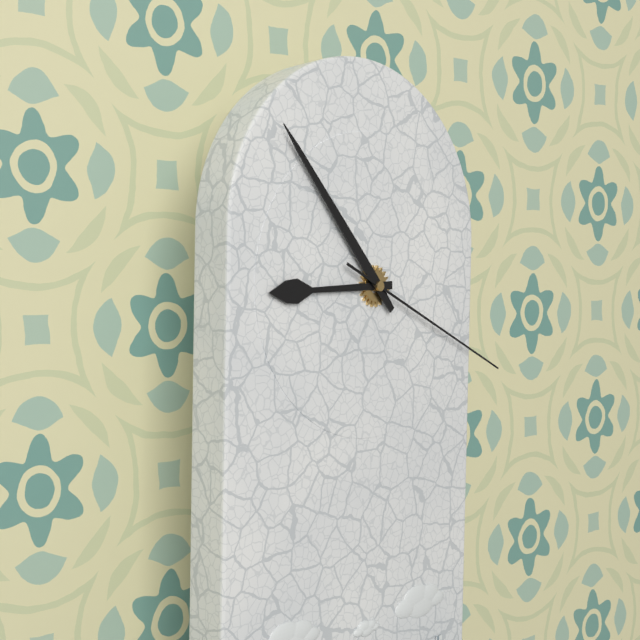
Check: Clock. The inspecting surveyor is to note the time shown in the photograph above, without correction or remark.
8:53:19
